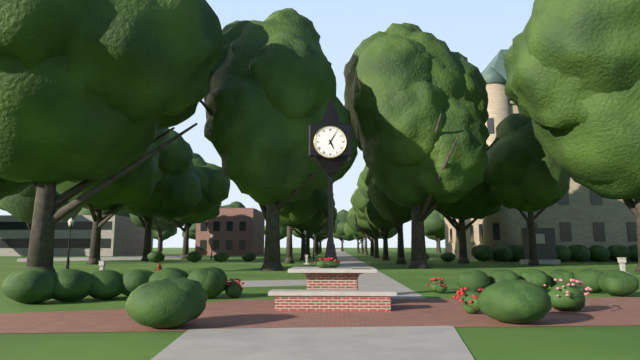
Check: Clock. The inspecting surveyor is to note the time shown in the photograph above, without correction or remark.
5:05
